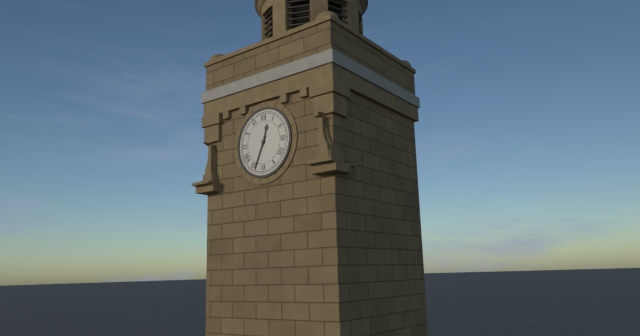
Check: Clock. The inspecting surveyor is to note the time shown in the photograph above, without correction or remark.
12:34
